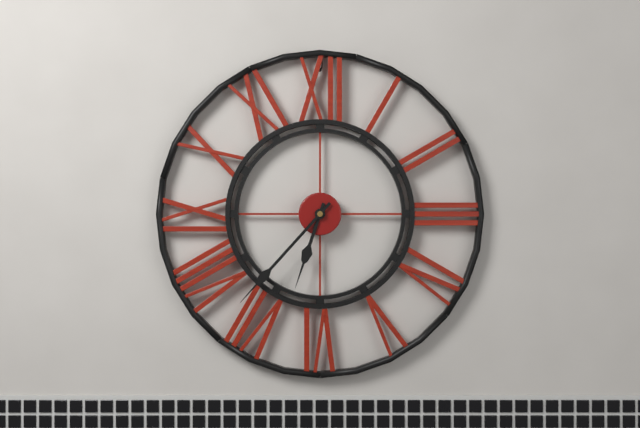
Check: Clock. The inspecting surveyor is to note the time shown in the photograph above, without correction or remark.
6:37
